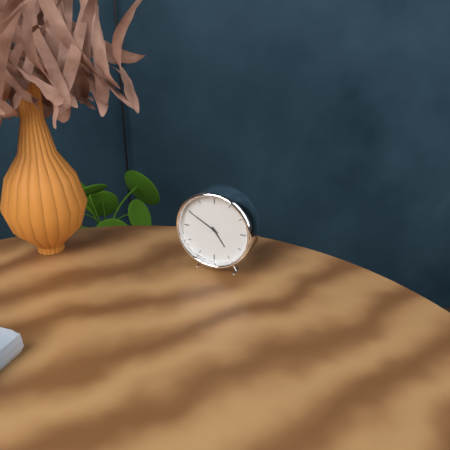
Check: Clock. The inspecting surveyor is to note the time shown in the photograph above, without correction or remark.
4:50
